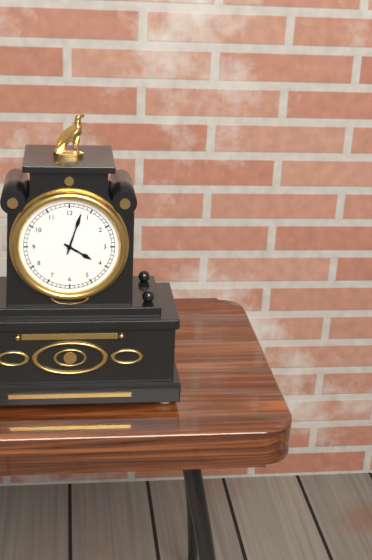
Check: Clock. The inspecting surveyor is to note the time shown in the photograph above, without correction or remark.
4:03
